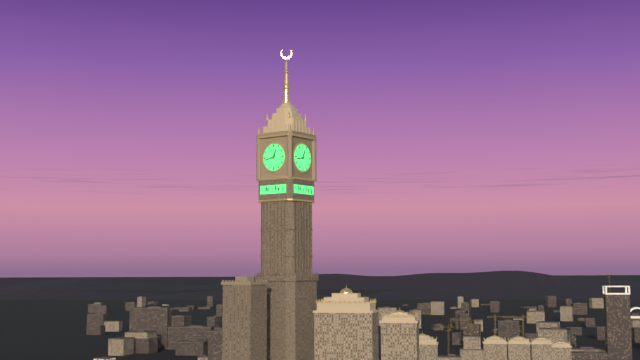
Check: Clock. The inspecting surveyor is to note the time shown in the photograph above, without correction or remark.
12:43
